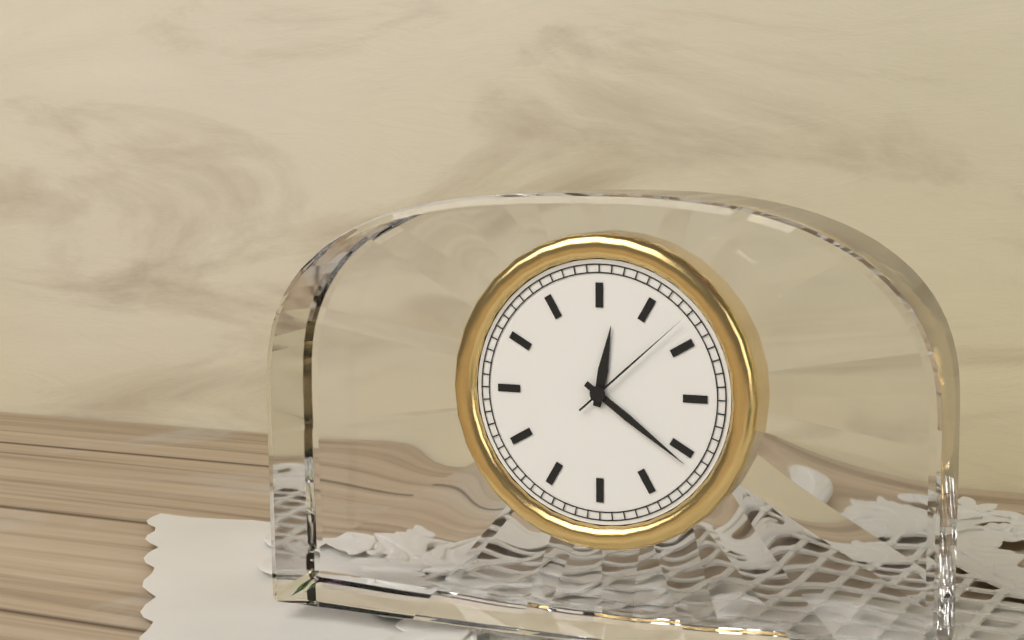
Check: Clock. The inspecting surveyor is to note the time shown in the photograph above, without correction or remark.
12:21:08
